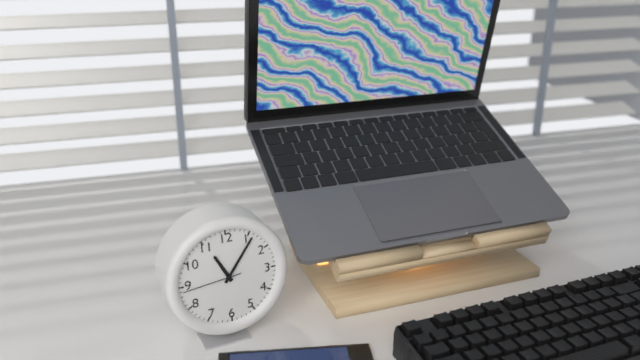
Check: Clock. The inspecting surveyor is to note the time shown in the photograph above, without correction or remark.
11:06:44
